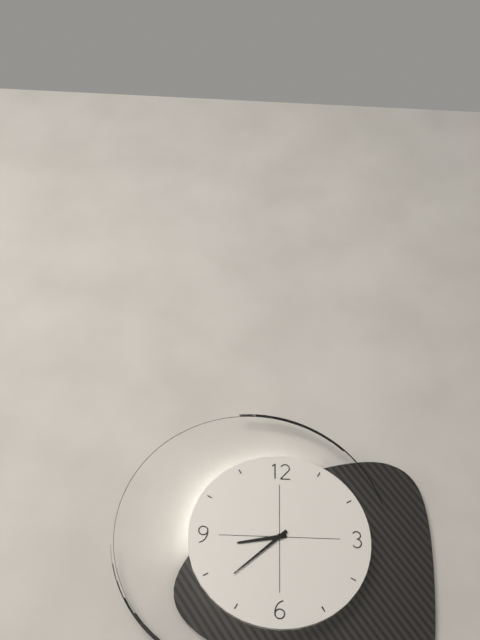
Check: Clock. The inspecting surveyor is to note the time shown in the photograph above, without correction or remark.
8:38
